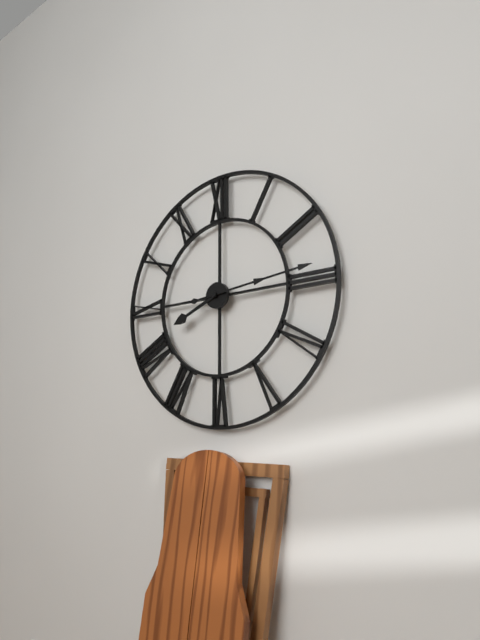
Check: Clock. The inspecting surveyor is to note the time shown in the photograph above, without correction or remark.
8:14
